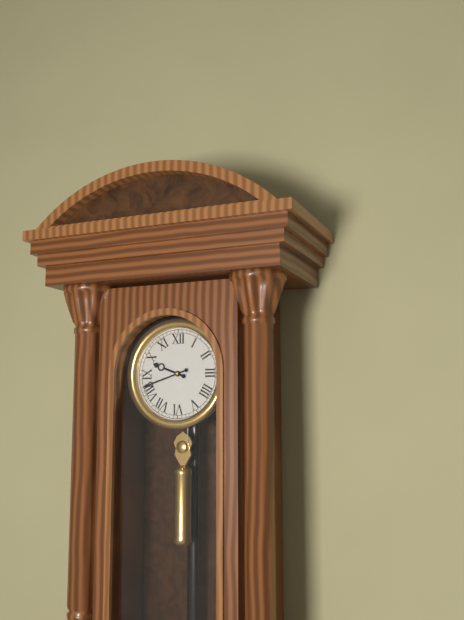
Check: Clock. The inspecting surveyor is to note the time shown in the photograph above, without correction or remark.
9:42
